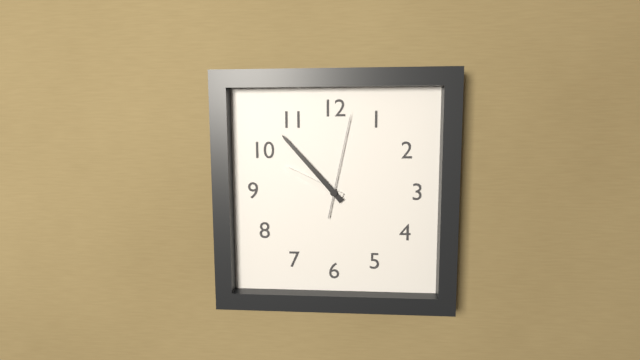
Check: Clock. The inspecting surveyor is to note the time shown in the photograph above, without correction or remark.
9:53:02
